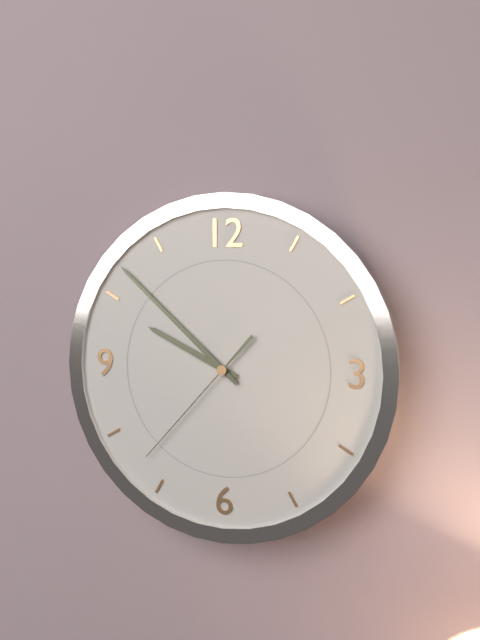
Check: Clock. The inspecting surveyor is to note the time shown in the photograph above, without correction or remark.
9:52:37
